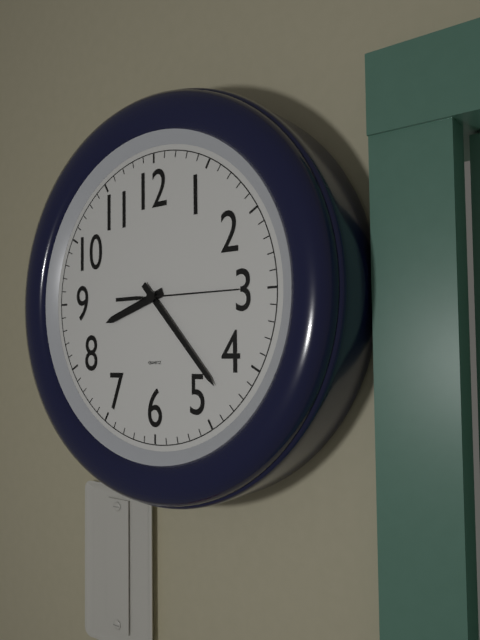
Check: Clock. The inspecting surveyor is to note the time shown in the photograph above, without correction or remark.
8:23:15
